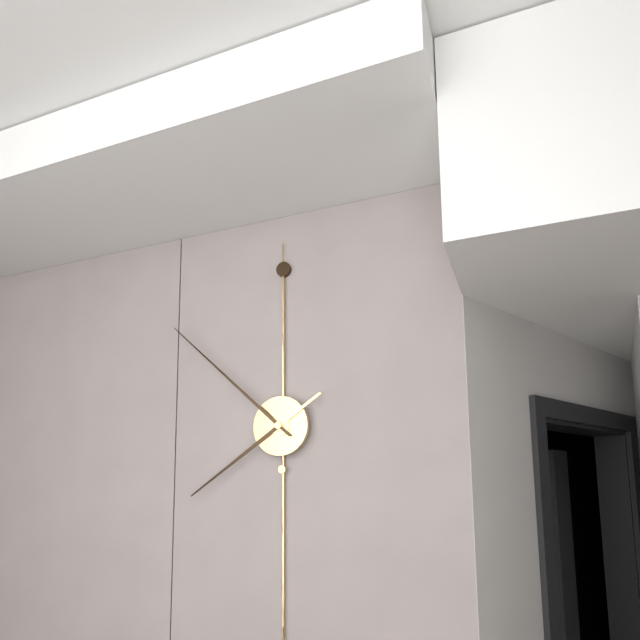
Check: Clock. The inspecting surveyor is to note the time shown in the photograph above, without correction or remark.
7:52
